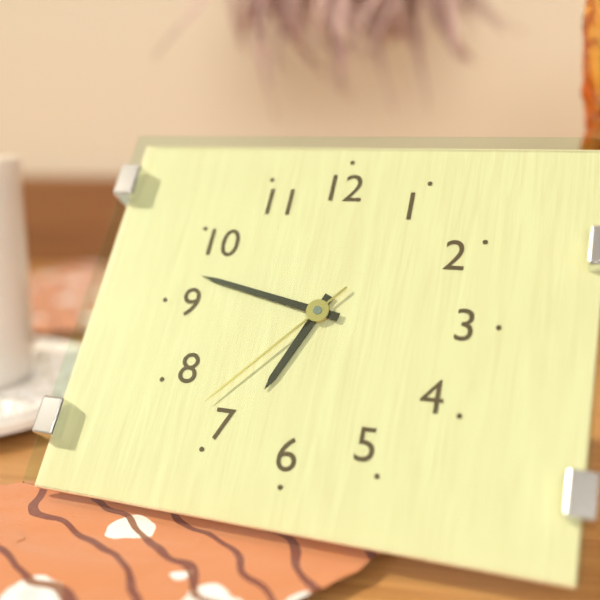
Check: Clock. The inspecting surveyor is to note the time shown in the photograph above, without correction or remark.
6:47:37
